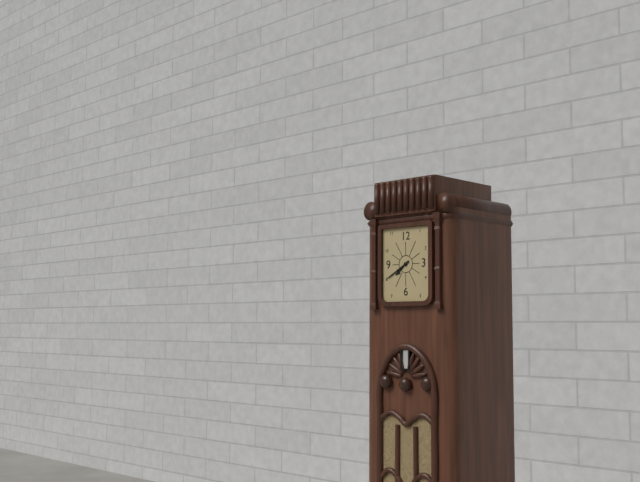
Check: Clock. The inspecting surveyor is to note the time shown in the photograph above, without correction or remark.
7:40
